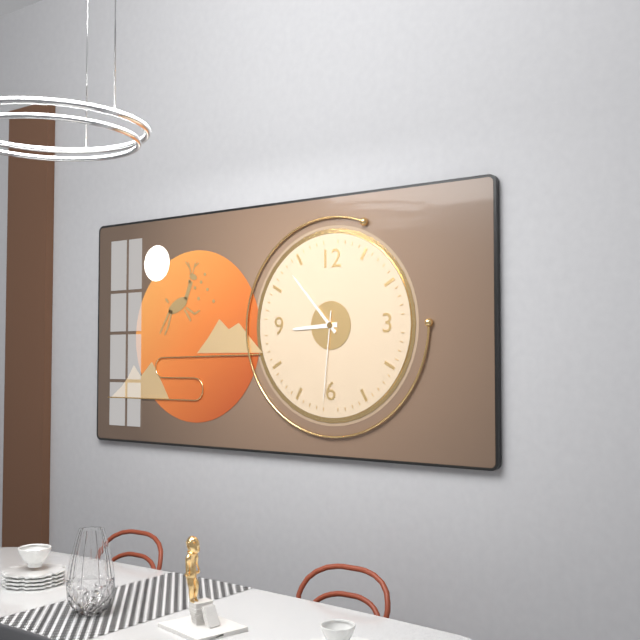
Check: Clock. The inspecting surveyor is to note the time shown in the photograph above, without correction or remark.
8:53:31
